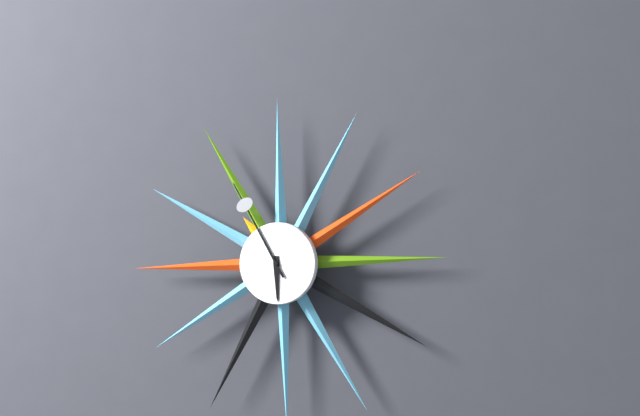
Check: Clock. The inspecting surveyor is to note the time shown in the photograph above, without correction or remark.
5:55
